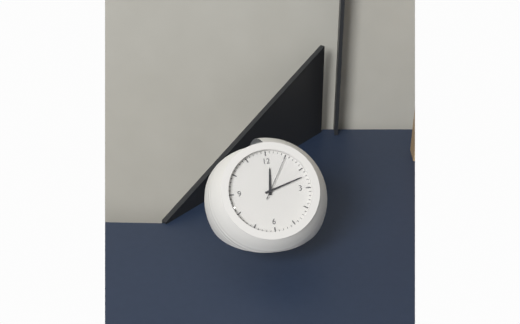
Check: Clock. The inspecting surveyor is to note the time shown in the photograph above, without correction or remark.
12:12
